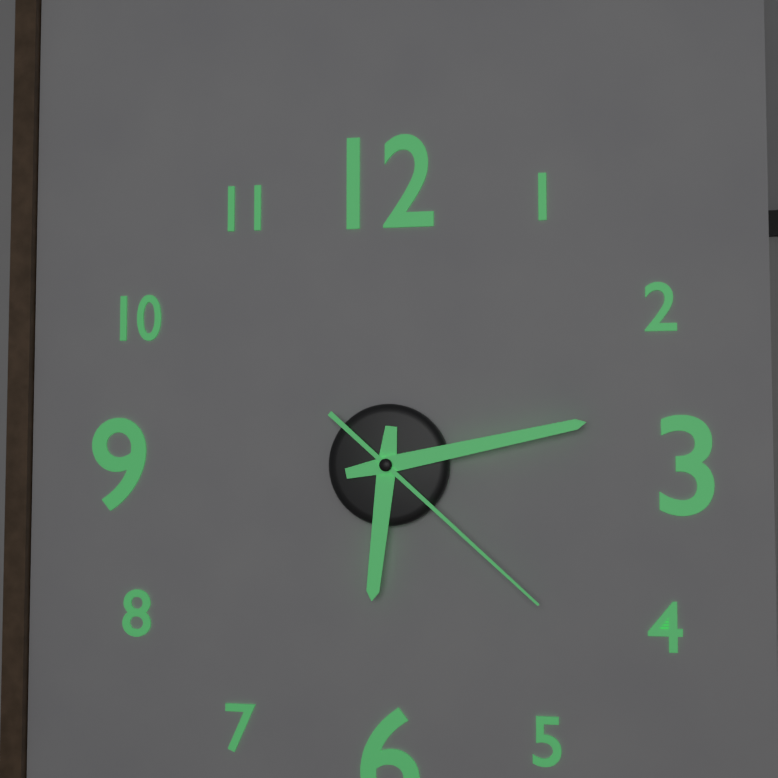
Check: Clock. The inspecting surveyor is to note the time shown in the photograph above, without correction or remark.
6:13:22
